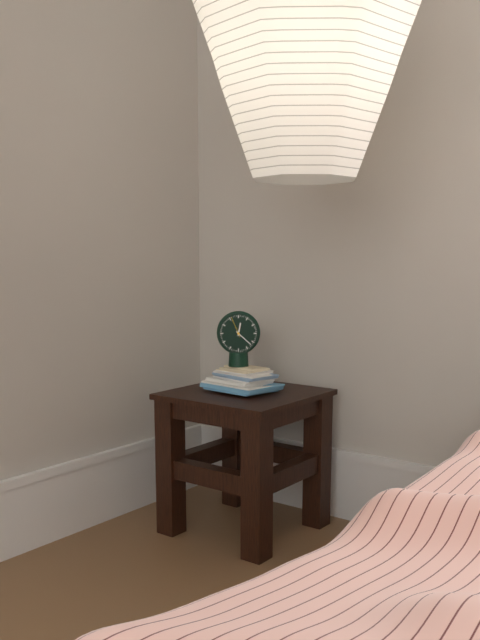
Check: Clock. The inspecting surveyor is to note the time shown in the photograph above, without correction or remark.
12:22
